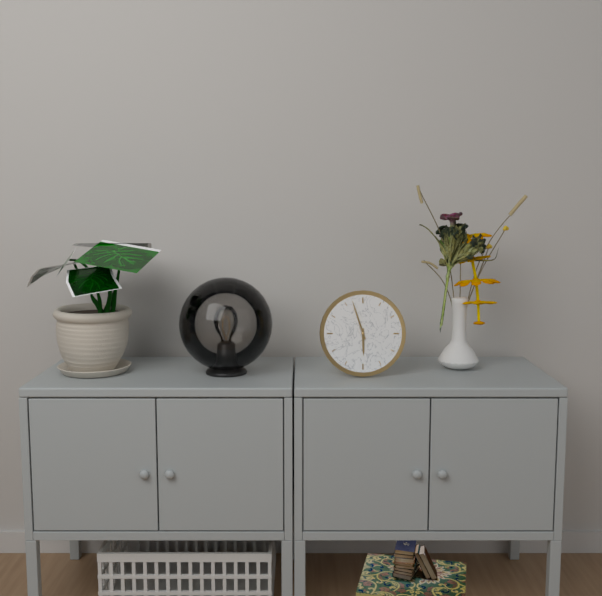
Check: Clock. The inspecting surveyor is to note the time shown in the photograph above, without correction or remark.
5:57
